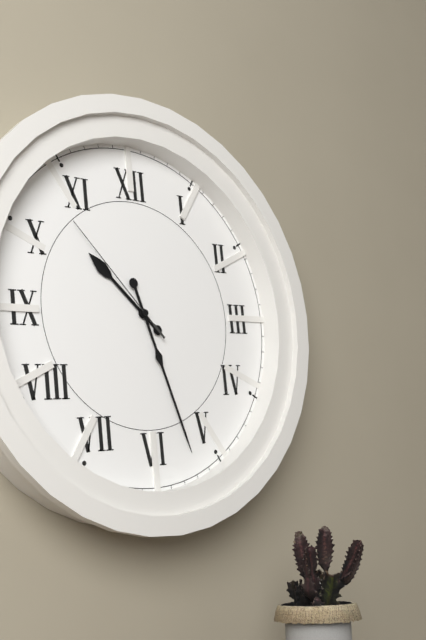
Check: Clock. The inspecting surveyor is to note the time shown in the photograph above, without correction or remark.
10:27:53
